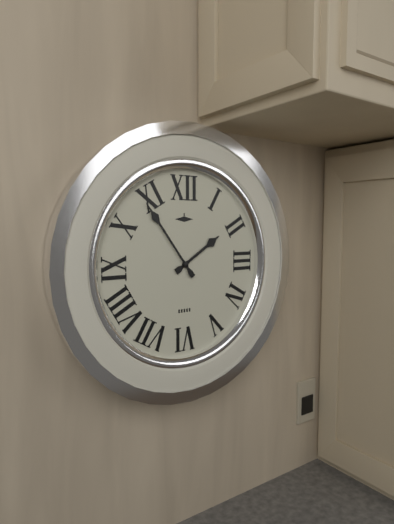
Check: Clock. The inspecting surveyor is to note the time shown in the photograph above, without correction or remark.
1:54
